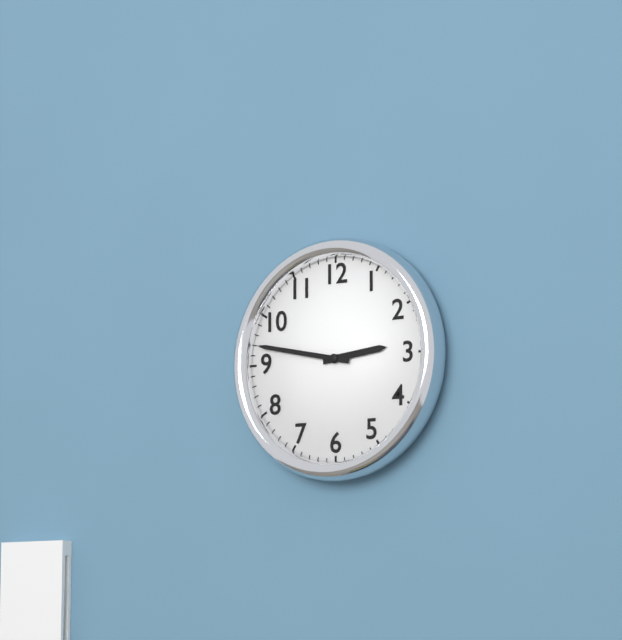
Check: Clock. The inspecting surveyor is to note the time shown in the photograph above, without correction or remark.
2:47
